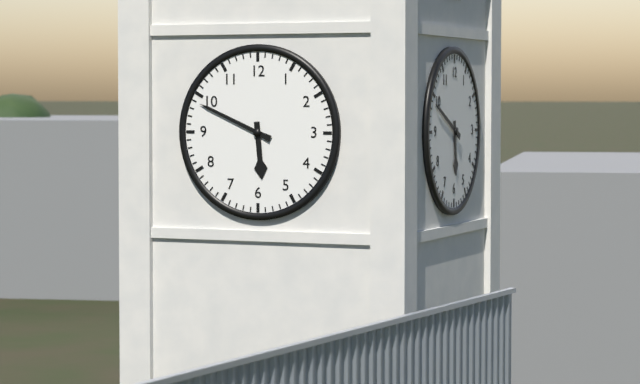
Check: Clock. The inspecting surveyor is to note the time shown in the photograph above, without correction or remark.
5:49
